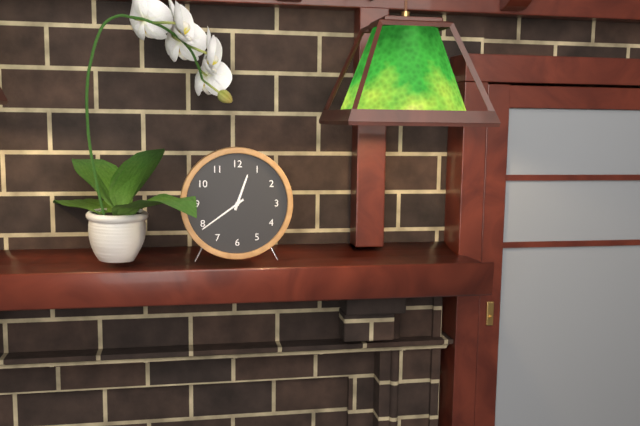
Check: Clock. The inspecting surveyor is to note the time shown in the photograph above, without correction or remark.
12:39
